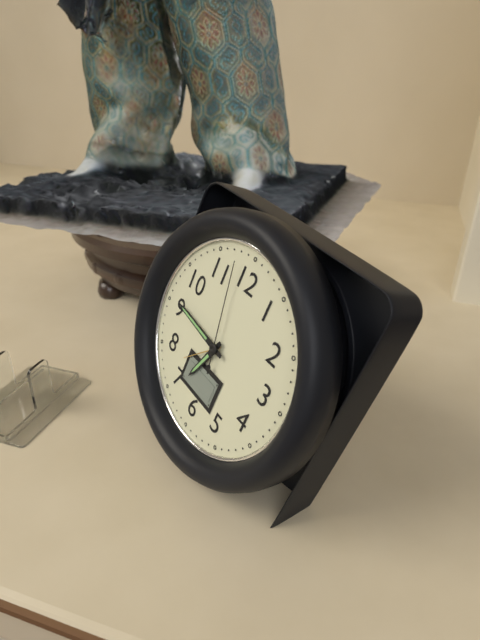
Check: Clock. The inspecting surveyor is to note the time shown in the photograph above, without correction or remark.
6:46:58
